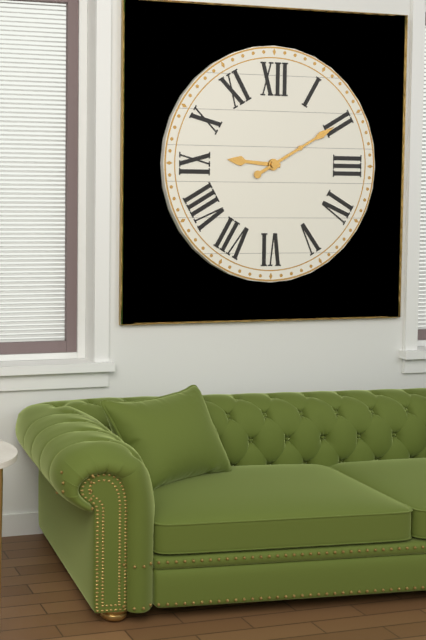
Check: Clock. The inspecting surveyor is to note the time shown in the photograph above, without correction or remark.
9:10
